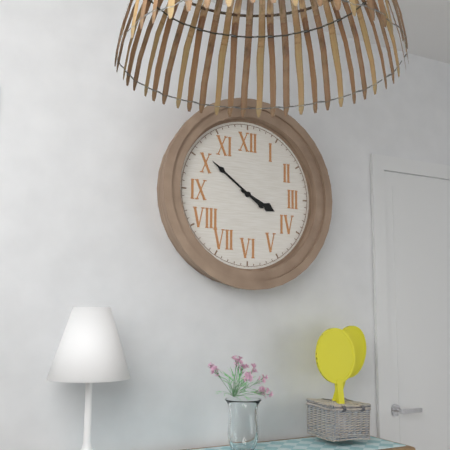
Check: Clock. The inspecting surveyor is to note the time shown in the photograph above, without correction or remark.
3:51
